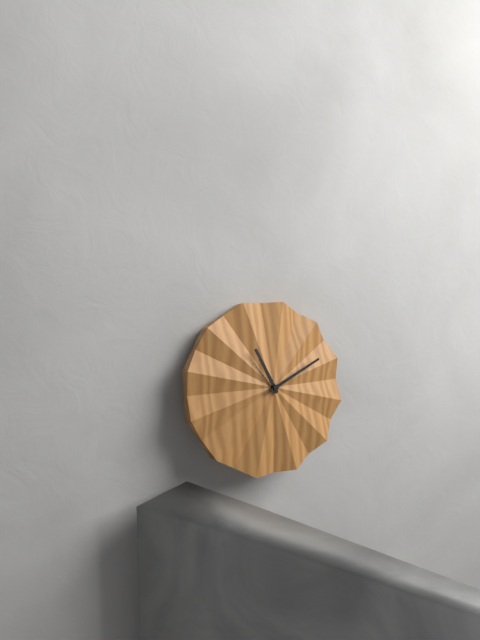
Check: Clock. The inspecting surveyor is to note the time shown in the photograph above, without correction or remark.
11:11
